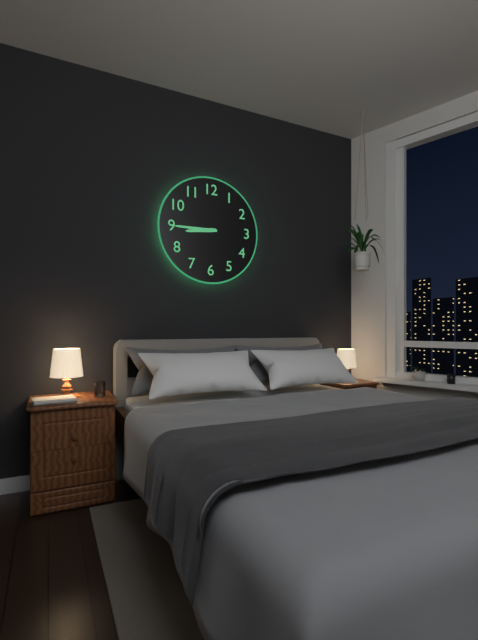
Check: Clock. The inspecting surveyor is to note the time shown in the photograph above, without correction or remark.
8:45
